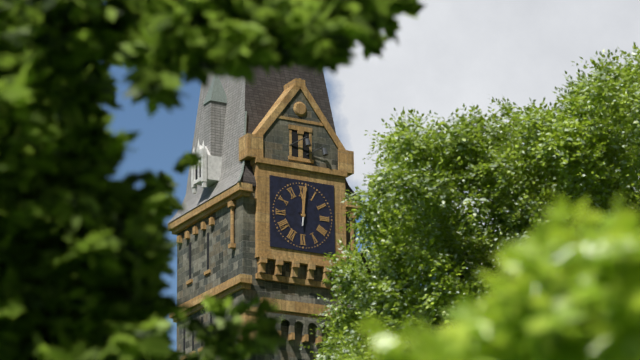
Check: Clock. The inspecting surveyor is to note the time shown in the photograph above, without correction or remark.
12:01
